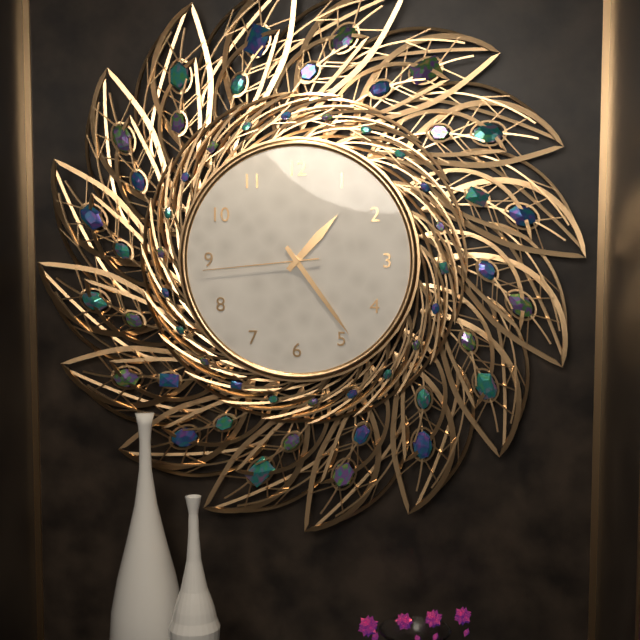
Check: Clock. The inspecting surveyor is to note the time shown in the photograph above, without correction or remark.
1:24:44
